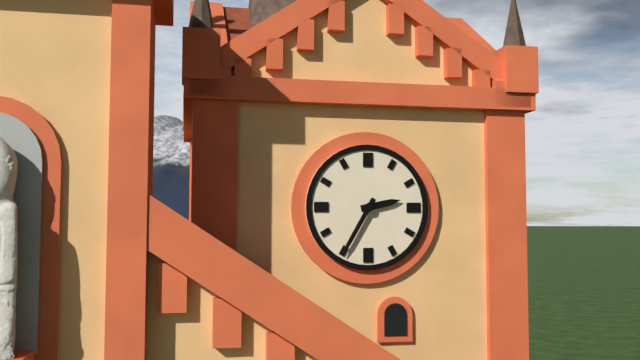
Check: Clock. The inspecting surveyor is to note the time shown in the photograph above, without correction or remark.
2:35
